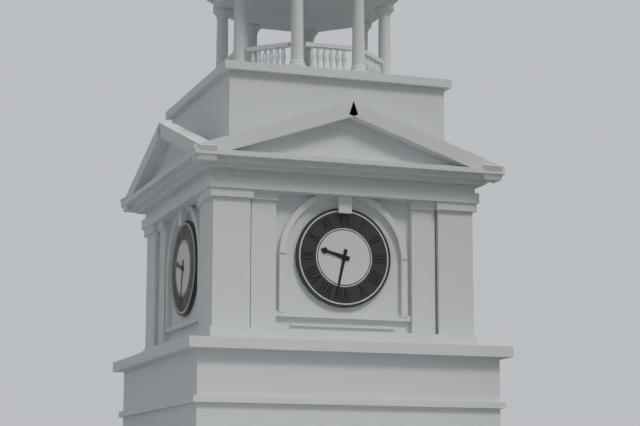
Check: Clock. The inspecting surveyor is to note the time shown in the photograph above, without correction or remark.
9:32
